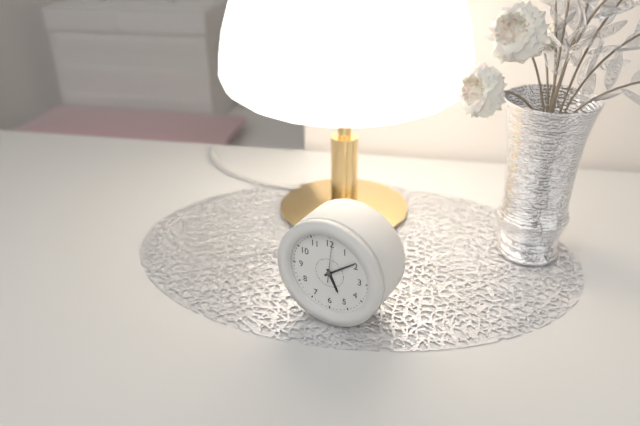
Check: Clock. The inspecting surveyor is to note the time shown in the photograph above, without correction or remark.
5:09
